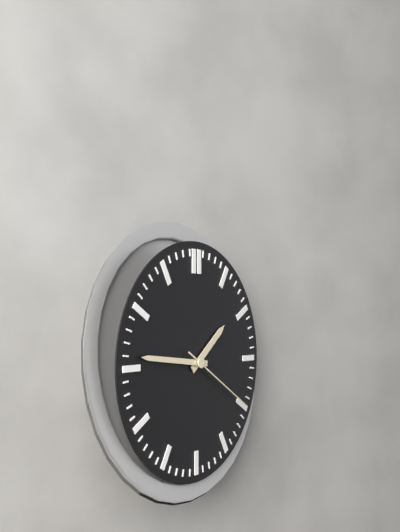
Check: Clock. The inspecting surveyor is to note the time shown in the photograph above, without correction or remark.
1:46:20
